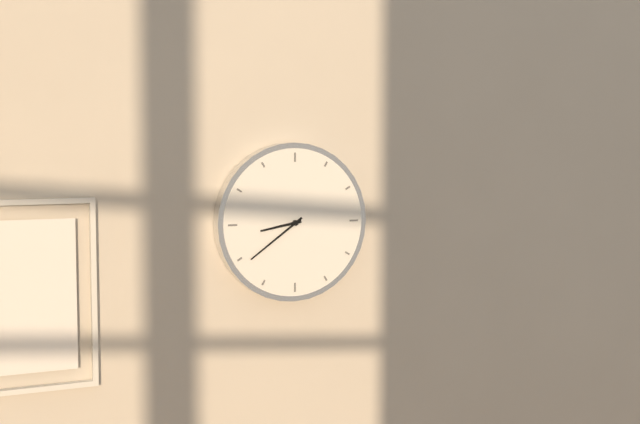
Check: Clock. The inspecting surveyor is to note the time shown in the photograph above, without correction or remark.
8:39
